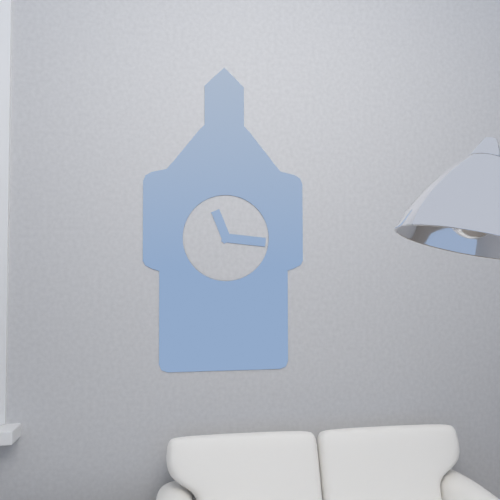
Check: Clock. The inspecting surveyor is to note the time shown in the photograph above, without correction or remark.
11:16
